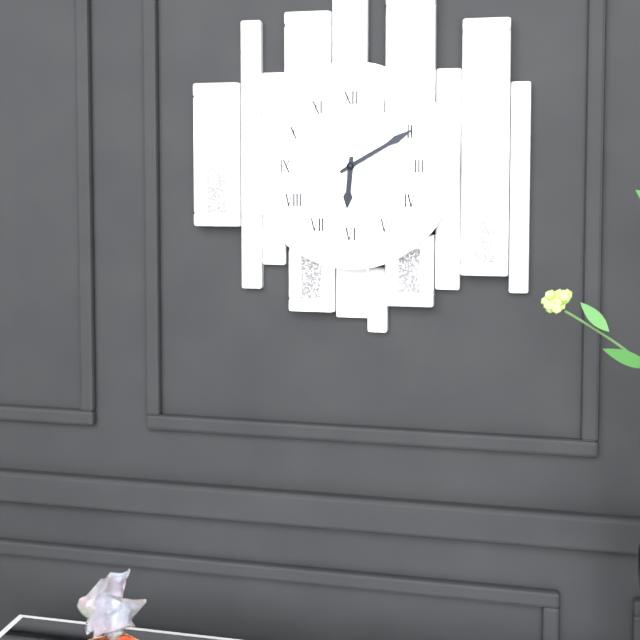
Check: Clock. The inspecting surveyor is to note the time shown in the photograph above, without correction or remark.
6:10
